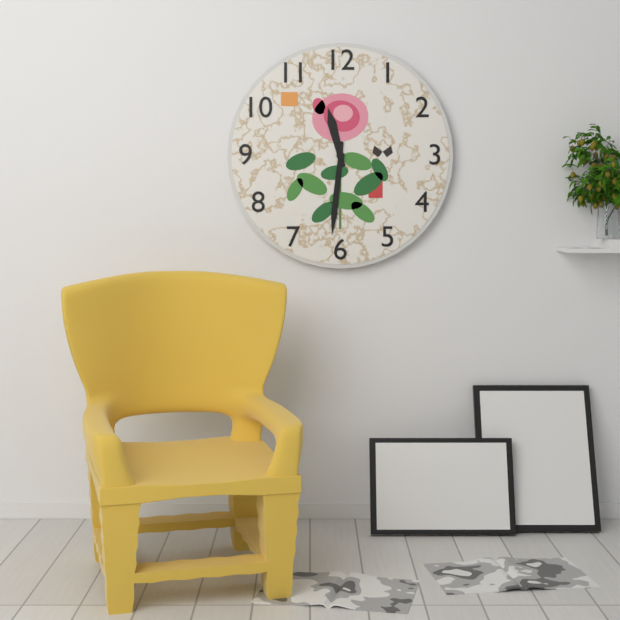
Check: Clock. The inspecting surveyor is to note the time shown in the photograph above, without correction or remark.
11:31
